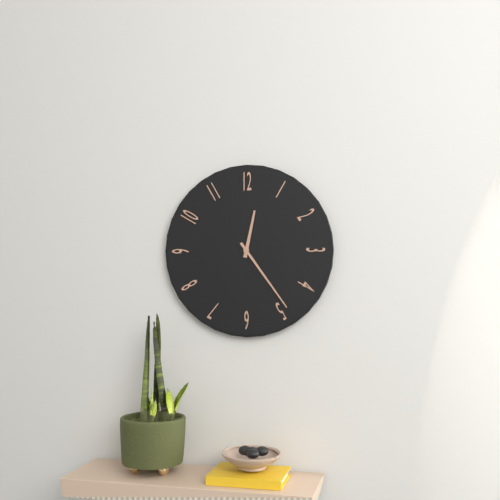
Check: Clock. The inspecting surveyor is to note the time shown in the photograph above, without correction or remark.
12:24
